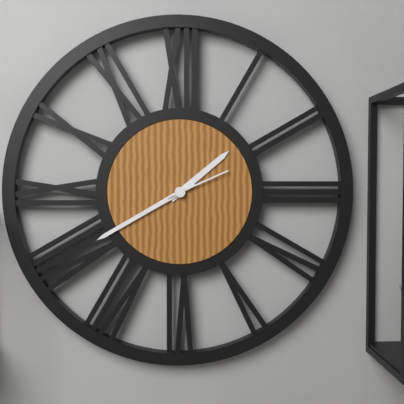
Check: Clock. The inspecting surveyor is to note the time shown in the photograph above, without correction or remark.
1:40:11
